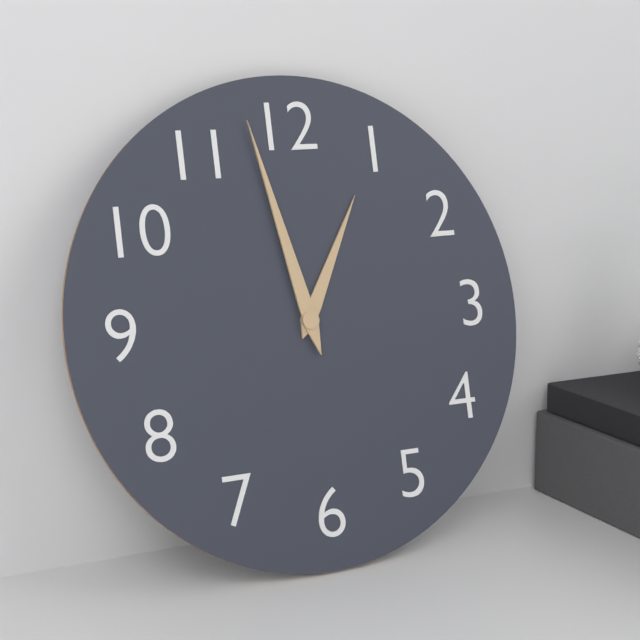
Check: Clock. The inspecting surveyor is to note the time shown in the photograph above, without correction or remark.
12:58
